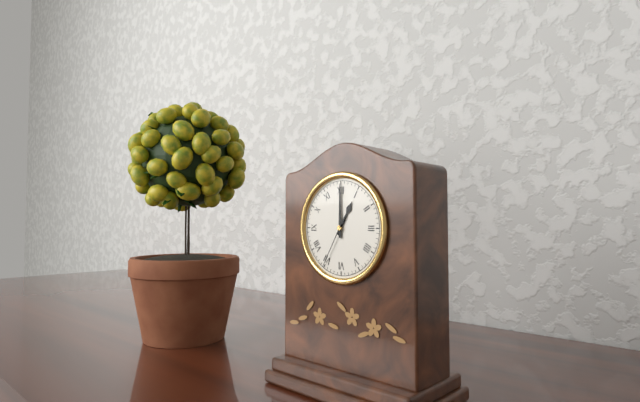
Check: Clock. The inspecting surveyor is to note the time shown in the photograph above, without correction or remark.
1:00:35
